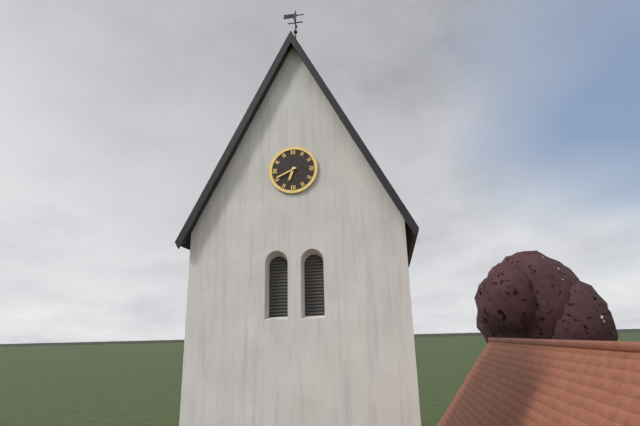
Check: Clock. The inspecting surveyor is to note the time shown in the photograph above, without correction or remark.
6:41
